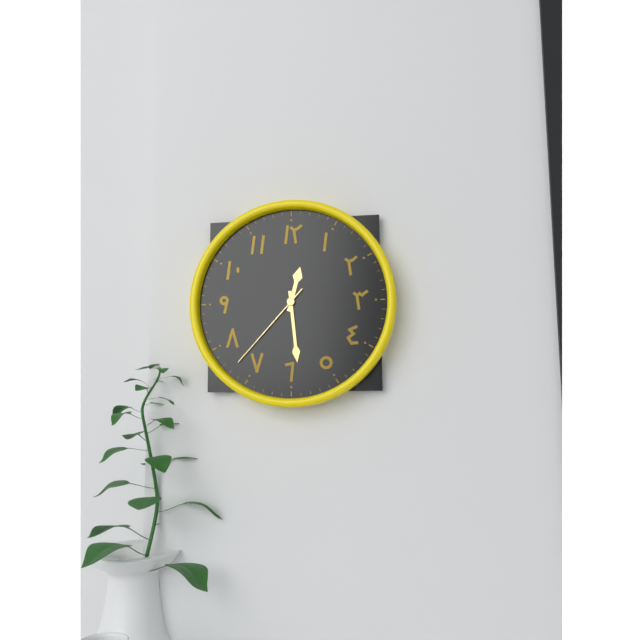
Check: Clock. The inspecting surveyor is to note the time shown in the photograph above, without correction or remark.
12:29:37
